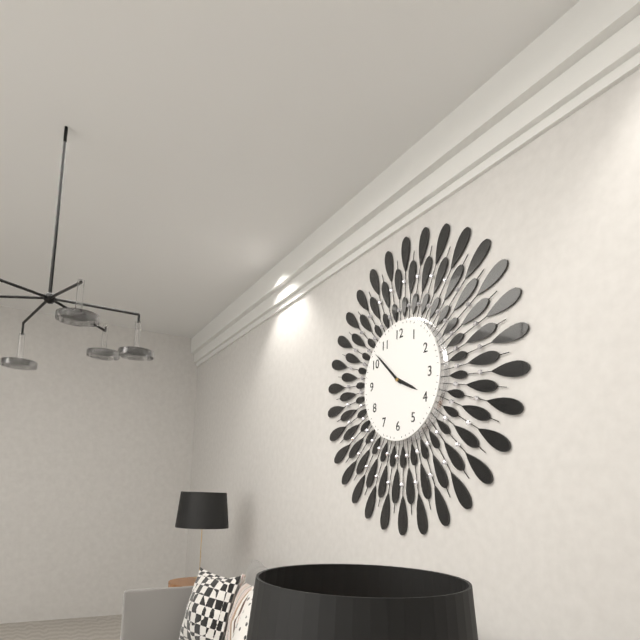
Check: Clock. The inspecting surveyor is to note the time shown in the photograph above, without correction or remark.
3:52
